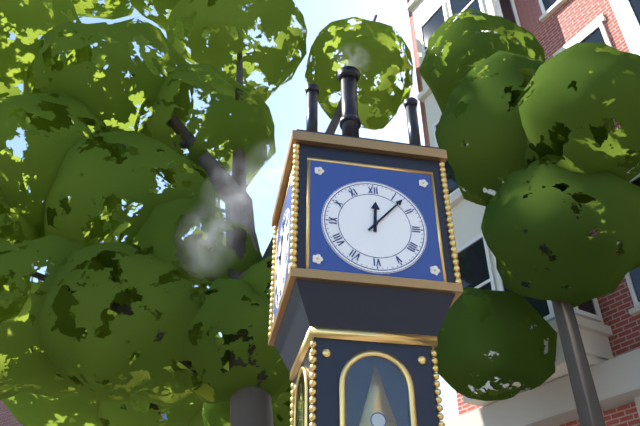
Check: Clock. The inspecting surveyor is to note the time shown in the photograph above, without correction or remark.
12:07
